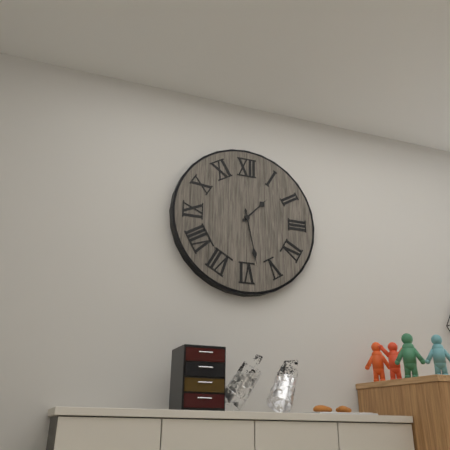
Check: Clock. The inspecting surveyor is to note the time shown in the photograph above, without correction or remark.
1:28
